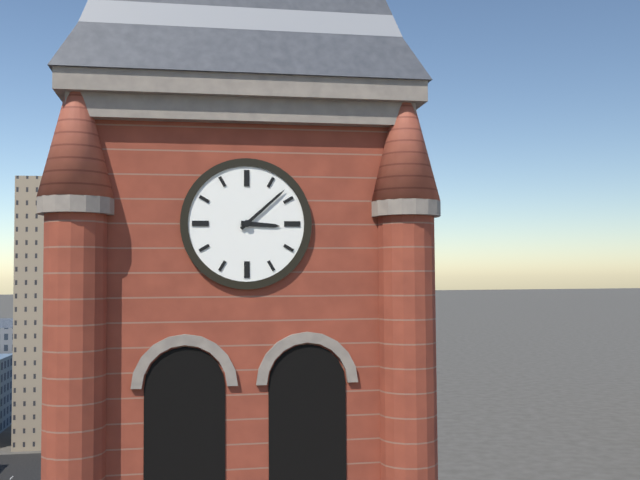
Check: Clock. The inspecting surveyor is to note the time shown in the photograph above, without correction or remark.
3:08
